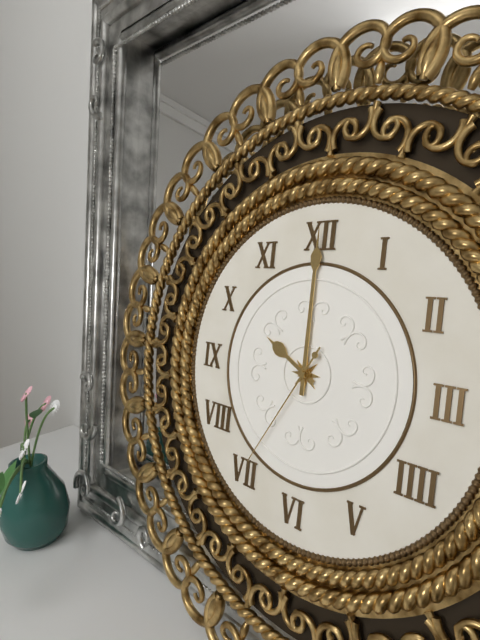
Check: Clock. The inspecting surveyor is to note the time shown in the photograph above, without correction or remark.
10:00:35
